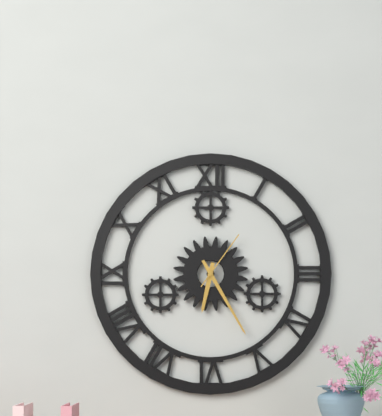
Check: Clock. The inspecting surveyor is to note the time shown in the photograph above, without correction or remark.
6:25:06
